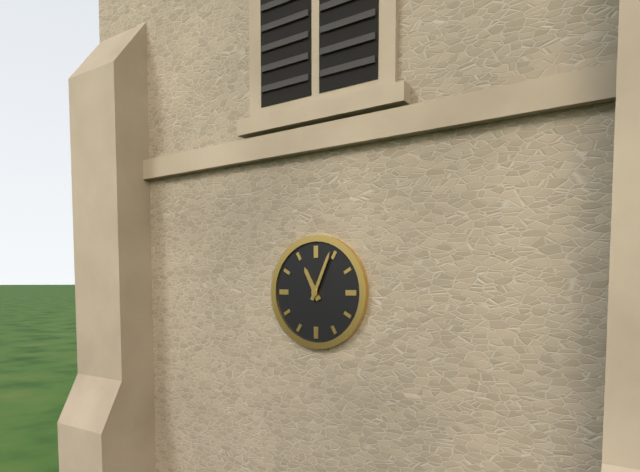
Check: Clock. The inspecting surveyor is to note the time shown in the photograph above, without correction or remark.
11:04
